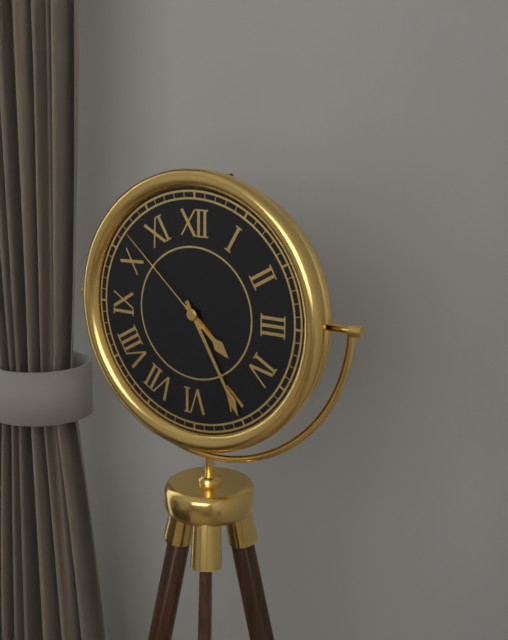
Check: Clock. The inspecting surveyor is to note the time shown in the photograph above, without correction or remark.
4:25:52
